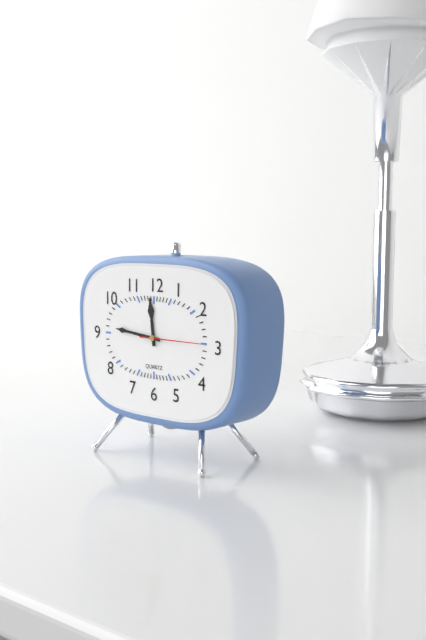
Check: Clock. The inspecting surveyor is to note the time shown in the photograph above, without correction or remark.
11:46:15
